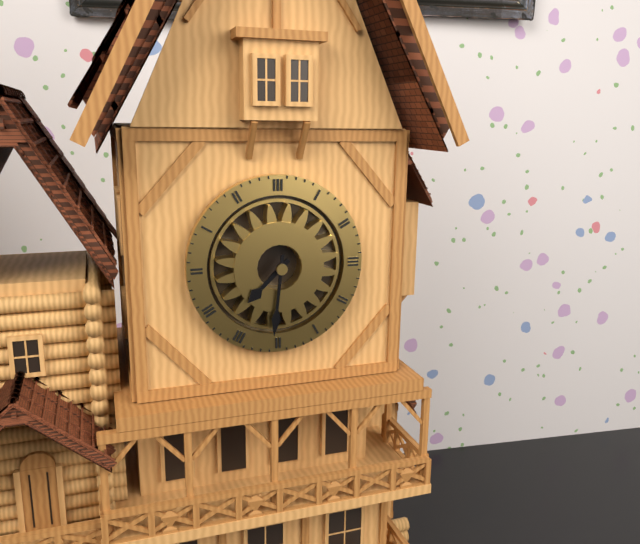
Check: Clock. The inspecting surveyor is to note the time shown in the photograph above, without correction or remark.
7:31
